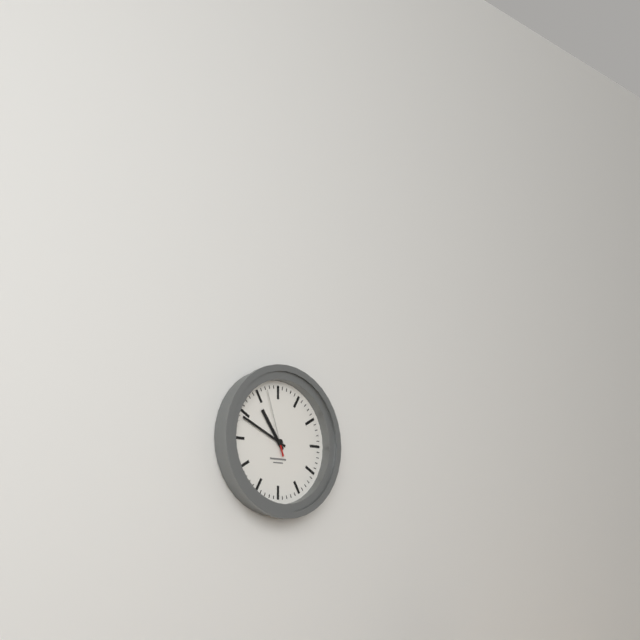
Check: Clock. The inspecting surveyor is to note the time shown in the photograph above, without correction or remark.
10:49:57
